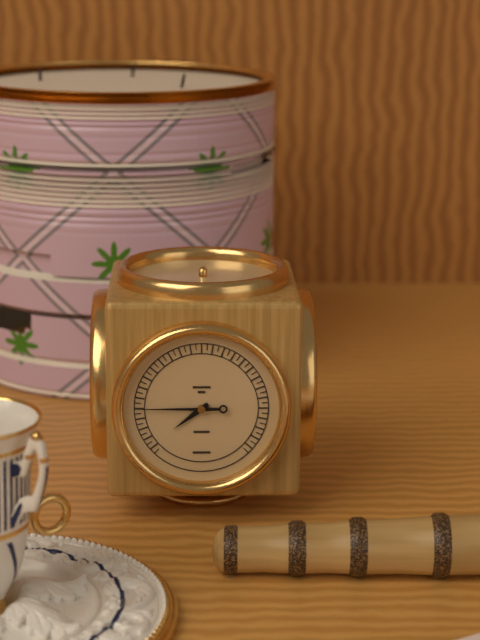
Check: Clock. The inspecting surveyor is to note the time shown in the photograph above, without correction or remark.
7:45
